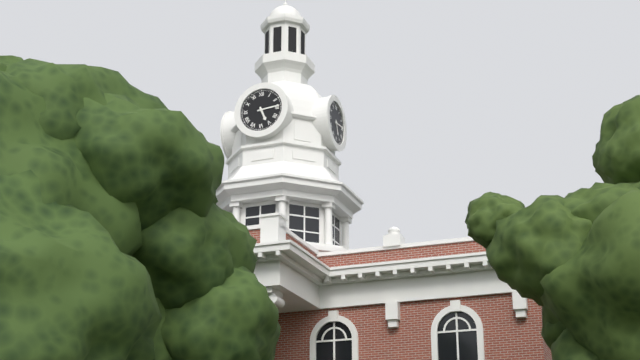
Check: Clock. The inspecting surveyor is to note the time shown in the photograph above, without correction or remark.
5:14
